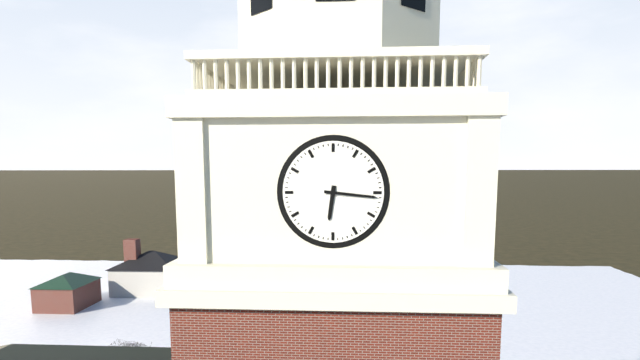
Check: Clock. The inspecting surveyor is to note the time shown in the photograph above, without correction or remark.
6:16
